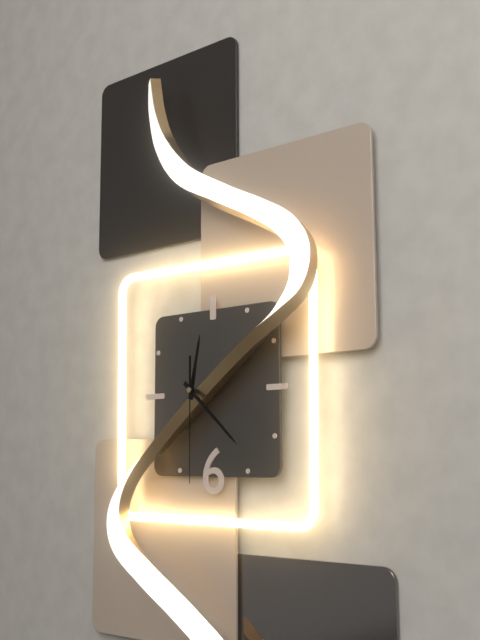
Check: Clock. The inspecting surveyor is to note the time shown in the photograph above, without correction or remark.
12:22:30
